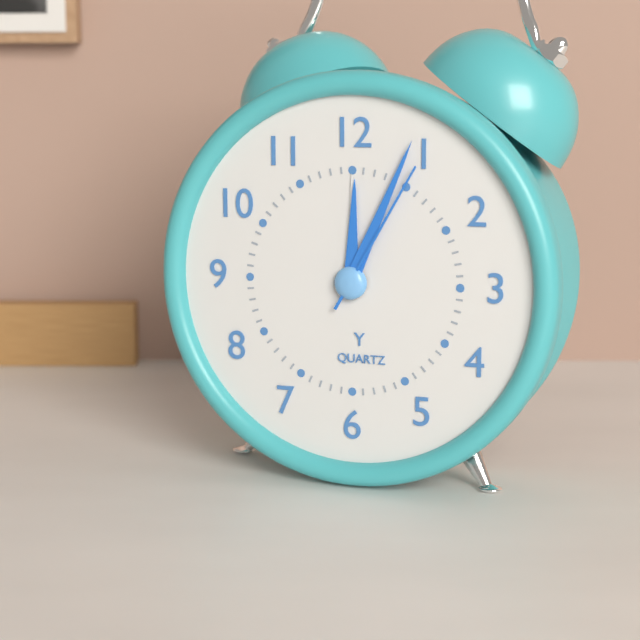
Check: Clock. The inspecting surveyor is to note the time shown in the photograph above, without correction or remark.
12:04:05
